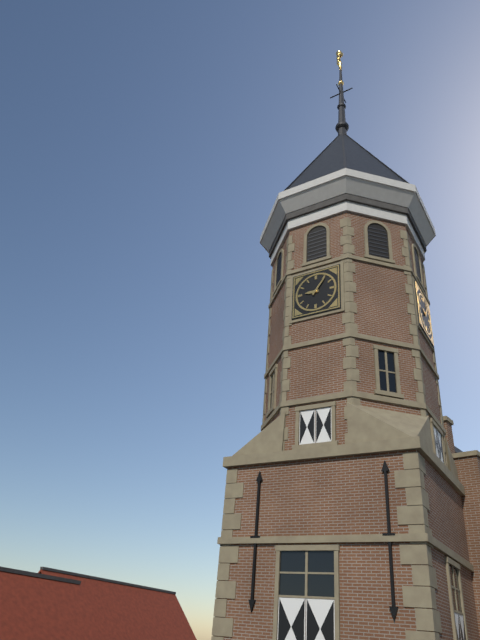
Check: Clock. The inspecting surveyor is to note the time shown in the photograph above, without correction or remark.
9:06
